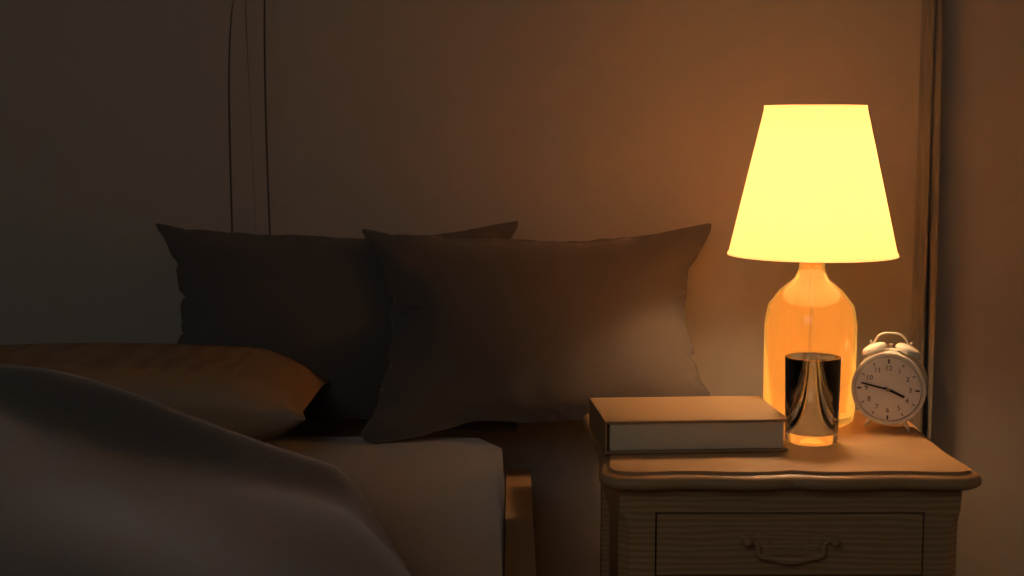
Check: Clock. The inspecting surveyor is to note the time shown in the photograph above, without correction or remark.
3:47
